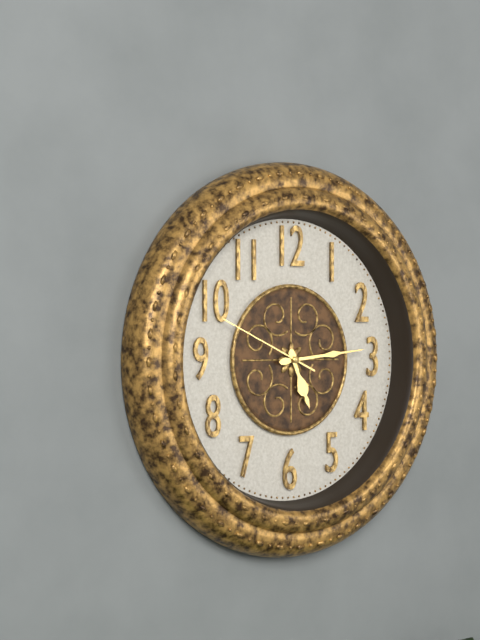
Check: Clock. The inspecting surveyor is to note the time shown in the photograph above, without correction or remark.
5:14:49
